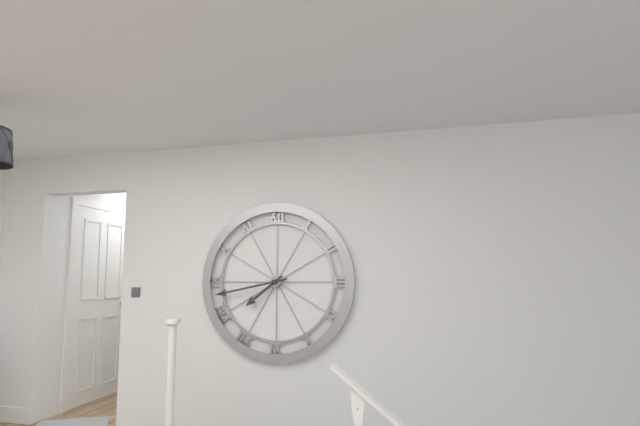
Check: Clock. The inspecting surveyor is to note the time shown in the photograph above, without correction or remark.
7:43
